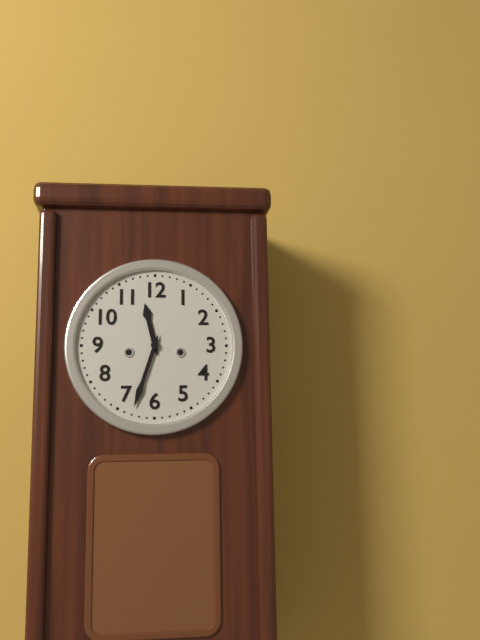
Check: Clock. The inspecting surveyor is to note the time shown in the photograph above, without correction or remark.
11:33
